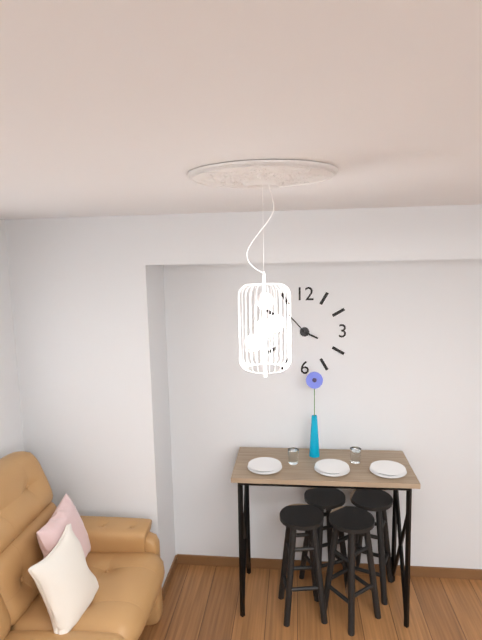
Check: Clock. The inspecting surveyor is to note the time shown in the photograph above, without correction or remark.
3:53
